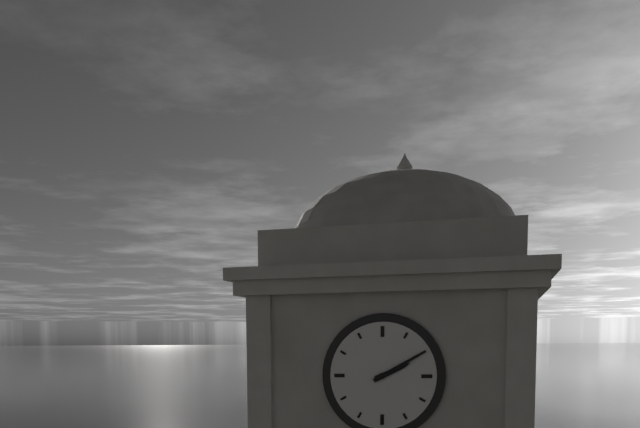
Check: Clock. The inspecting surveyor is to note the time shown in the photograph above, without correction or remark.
2:10
